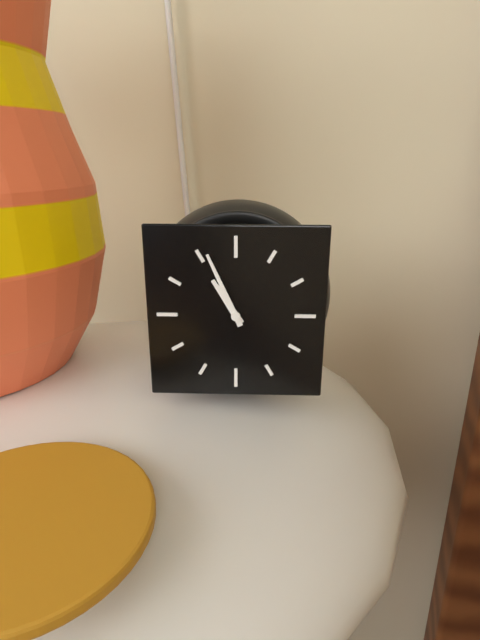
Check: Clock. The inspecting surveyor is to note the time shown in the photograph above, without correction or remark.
10:56
